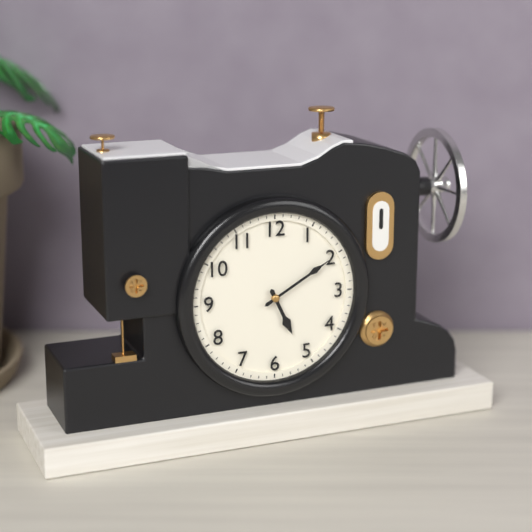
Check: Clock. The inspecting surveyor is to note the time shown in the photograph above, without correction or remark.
5:10
